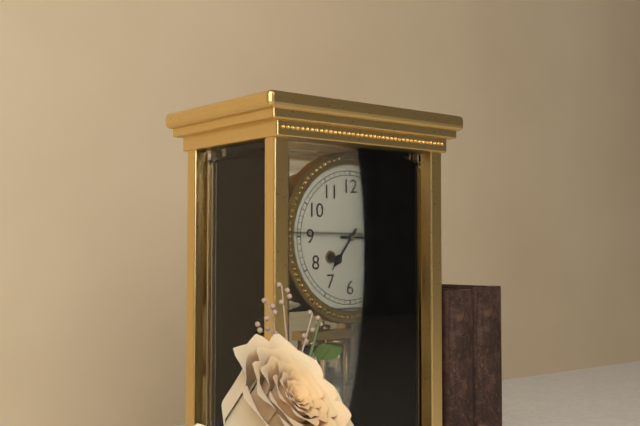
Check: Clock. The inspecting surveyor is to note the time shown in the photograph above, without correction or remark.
7:15
